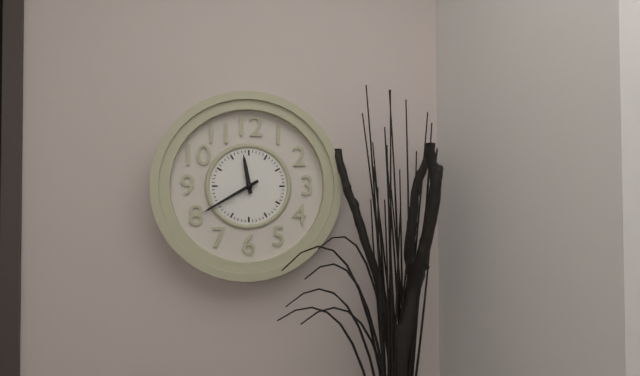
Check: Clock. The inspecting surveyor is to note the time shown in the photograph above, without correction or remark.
11:40
